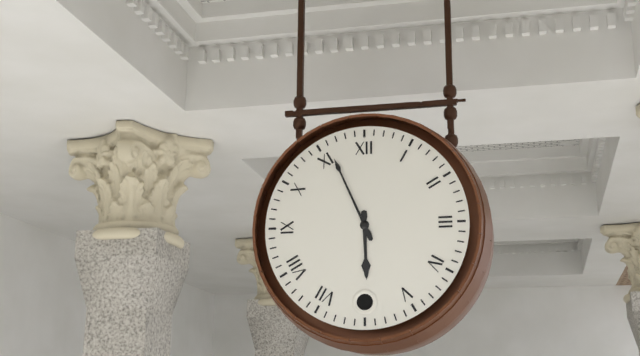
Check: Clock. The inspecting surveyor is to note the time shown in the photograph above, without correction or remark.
5:56
